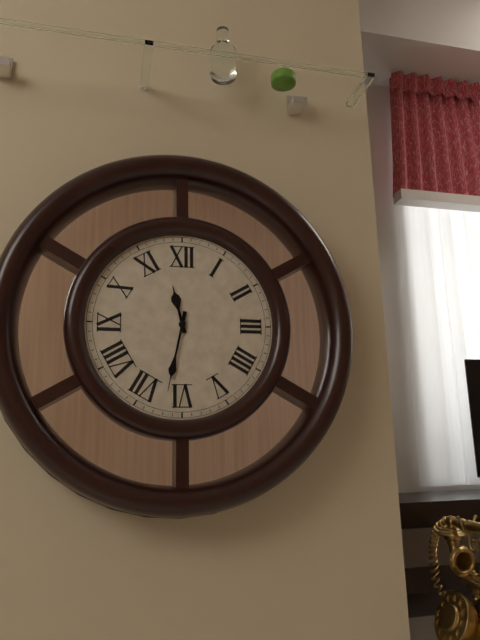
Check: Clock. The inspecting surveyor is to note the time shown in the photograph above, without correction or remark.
11:32
